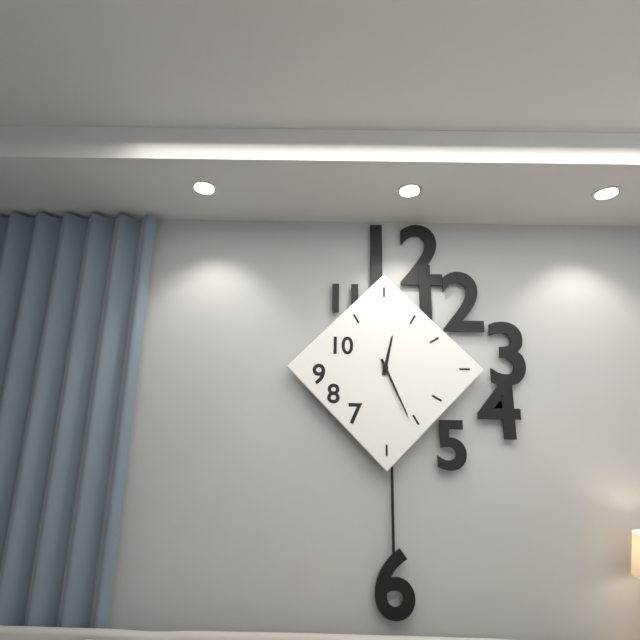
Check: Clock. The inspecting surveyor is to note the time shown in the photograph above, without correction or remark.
12:26
